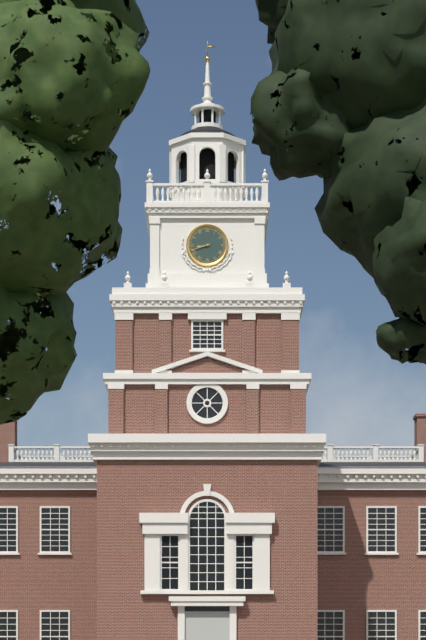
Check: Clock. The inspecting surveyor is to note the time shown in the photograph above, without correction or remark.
8:42
